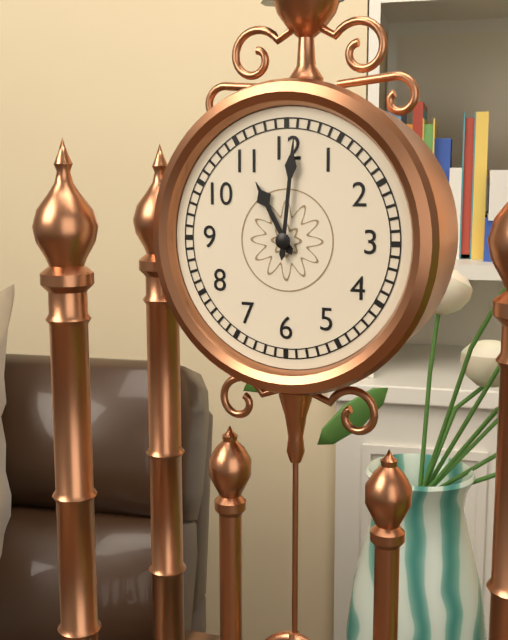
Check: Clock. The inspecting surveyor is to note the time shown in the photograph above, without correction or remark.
11:01
